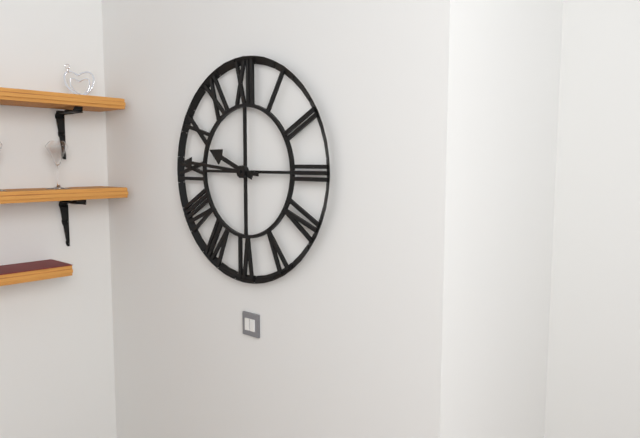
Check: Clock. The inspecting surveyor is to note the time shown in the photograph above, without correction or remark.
9:46
